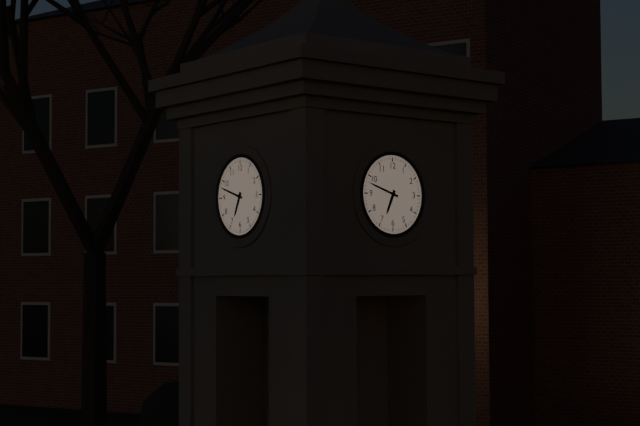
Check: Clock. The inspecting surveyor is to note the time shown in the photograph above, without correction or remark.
6:48
